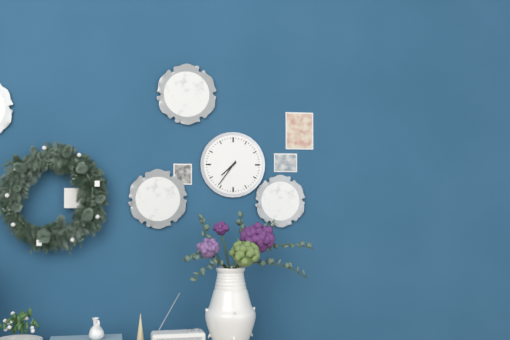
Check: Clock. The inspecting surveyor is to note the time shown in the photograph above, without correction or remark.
7:36
